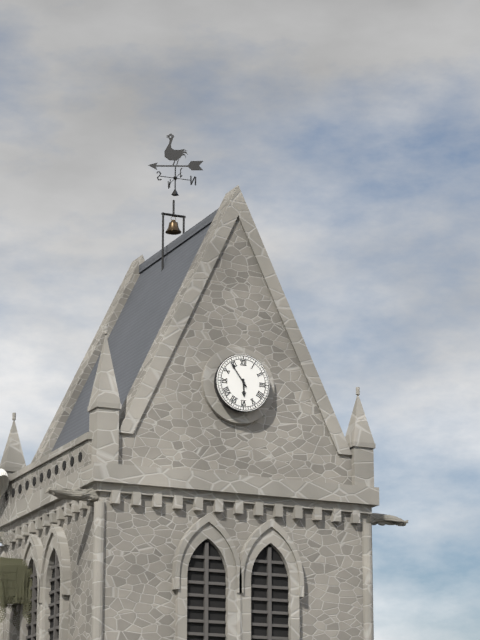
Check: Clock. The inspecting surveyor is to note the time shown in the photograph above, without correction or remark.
5:54
